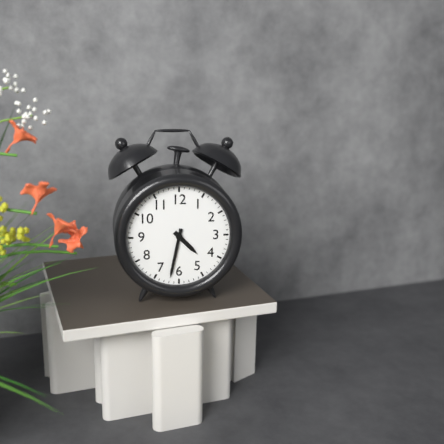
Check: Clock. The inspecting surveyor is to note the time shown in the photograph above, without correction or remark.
4:32
